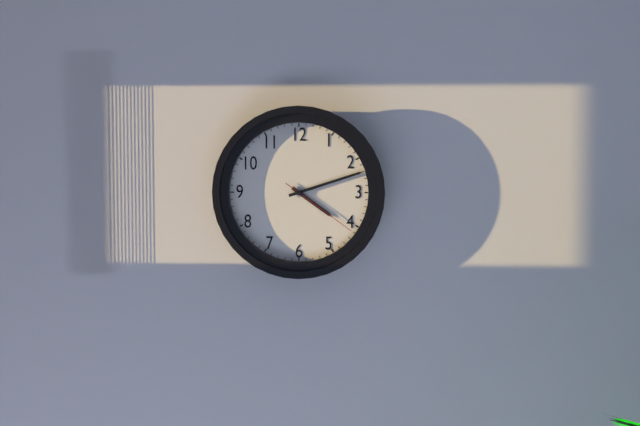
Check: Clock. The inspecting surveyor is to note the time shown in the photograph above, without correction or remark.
4:12:21
